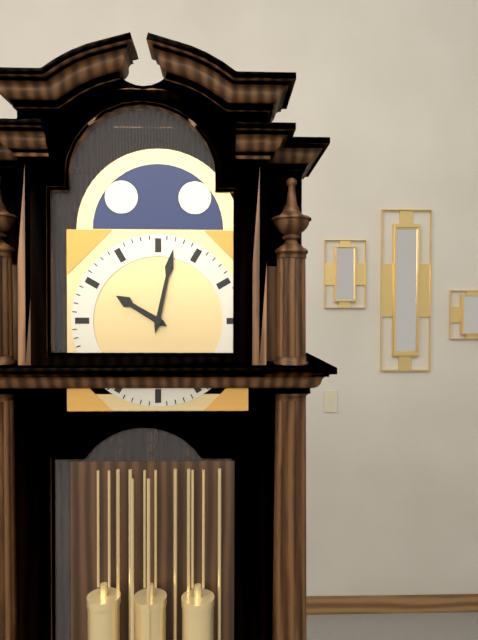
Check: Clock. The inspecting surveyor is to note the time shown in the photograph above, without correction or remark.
10:02
